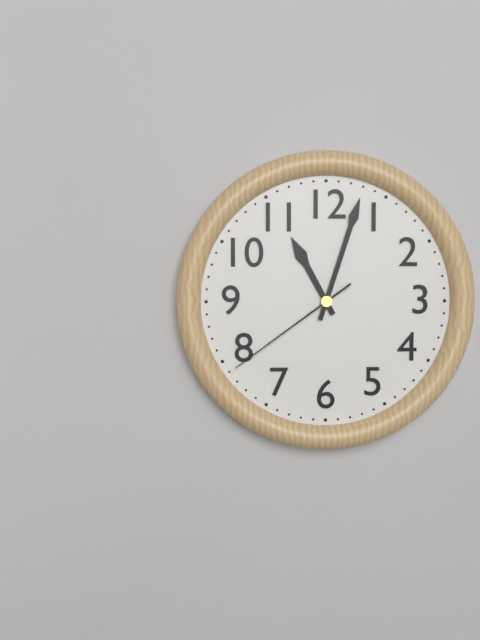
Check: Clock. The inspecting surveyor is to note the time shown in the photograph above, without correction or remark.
11:03:39
